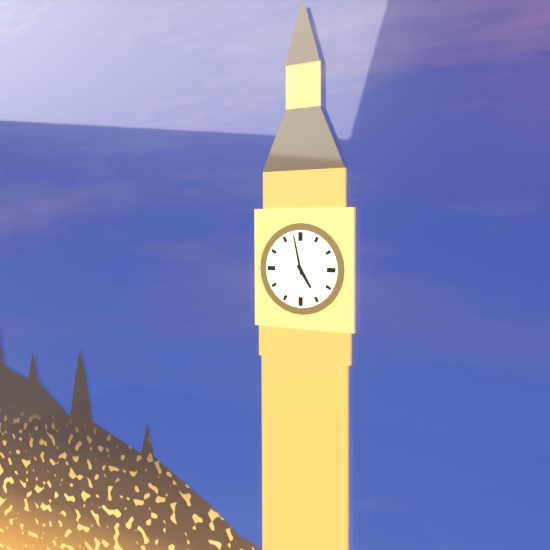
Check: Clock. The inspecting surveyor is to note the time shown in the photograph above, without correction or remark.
4:58
